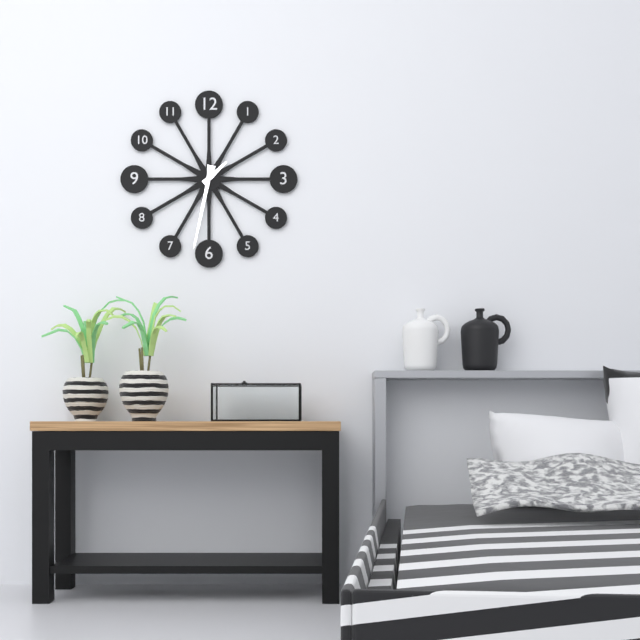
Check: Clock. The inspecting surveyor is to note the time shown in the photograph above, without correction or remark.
1:32
